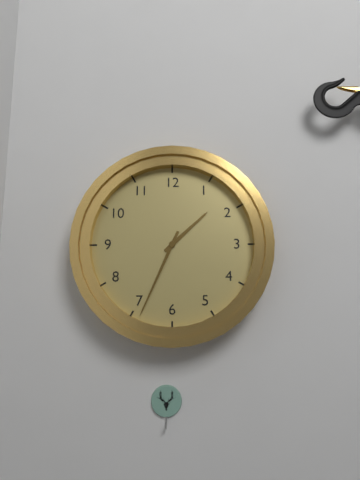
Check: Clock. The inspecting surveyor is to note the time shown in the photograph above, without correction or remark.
1:34
